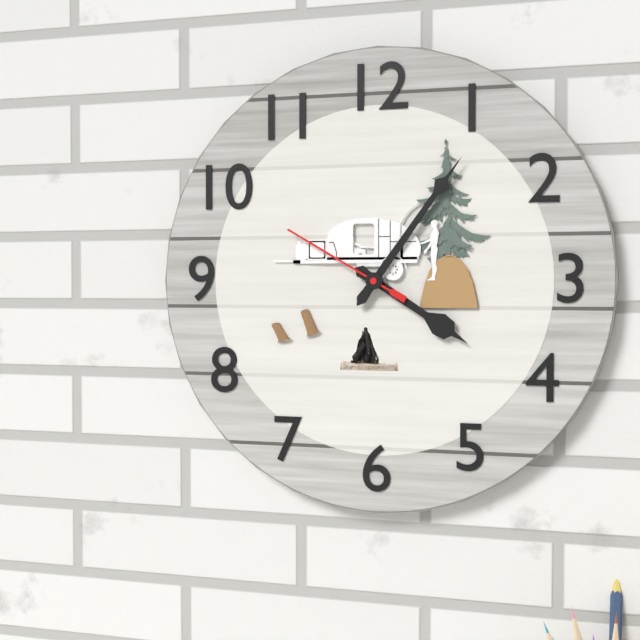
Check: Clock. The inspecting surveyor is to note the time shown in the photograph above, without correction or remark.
4:06:50
